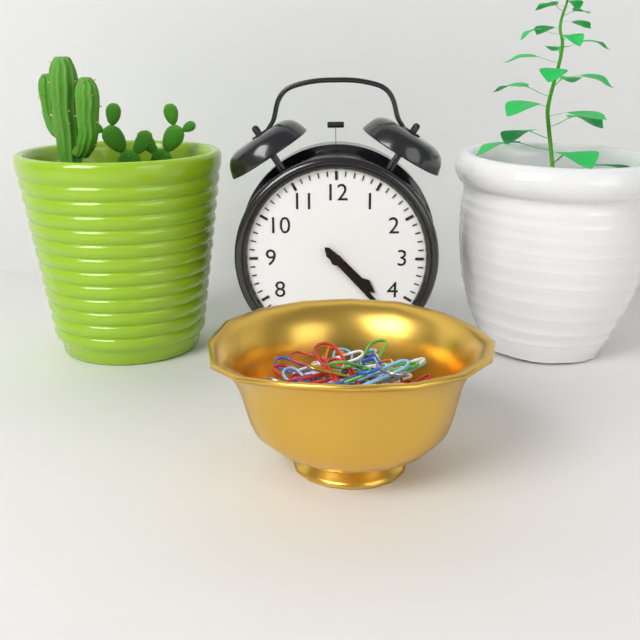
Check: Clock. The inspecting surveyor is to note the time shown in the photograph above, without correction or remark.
4:23
